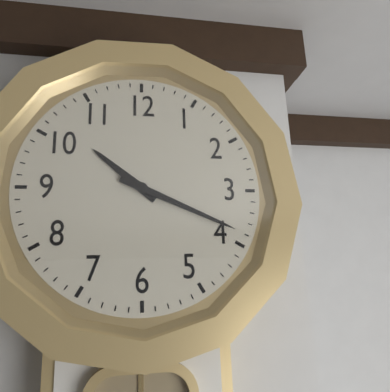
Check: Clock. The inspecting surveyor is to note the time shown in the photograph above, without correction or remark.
10:19
